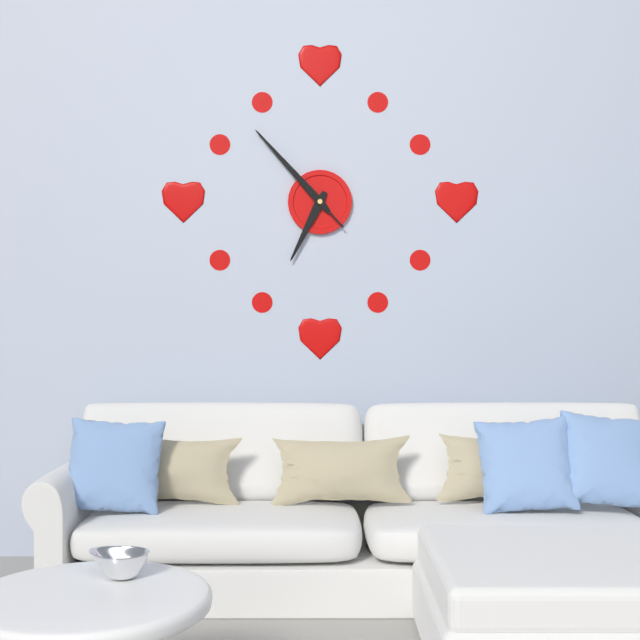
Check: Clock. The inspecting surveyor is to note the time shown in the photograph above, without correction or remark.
6:53
